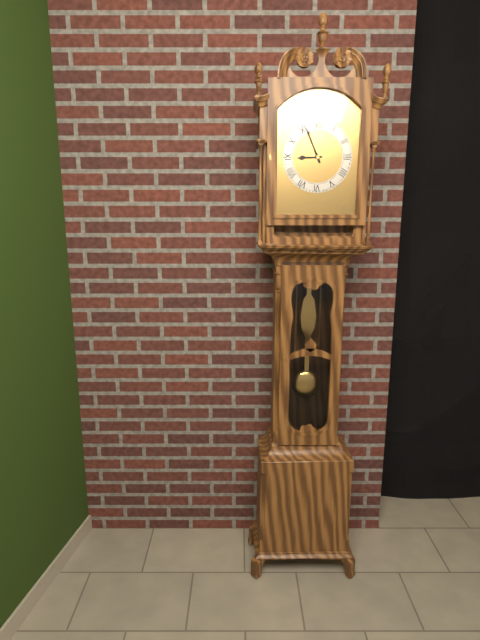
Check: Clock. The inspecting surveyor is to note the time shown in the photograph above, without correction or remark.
8:56
